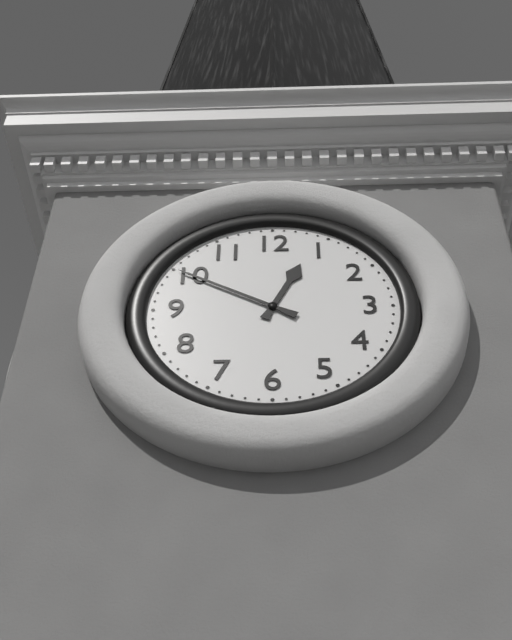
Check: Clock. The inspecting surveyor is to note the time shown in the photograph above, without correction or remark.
12:50
